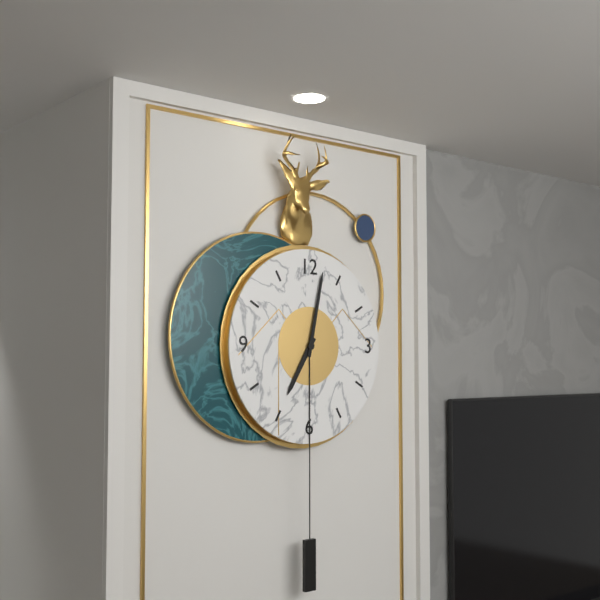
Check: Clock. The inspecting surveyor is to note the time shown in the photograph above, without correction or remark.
7:02
